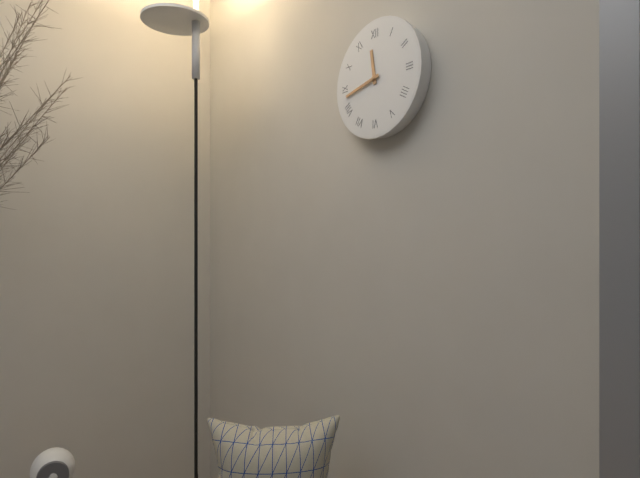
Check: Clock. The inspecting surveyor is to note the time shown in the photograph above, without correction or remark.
11:43
